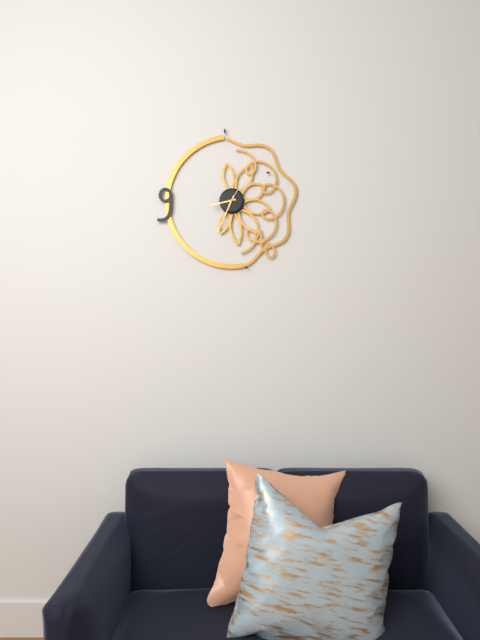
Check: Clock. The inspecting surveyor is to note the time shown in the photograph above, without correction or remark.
8:34
